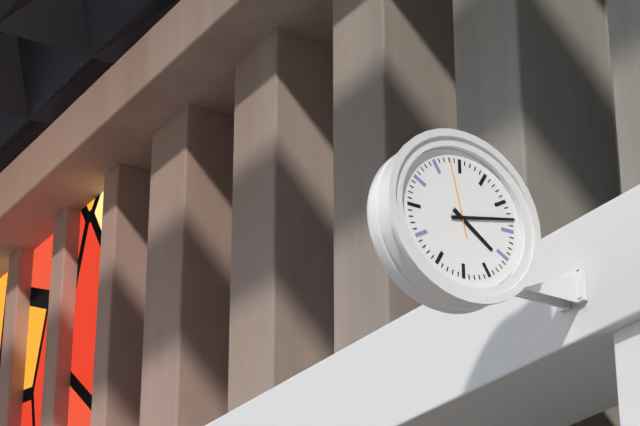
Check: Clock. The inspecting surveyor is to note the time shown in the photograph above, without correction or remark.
4:13:58
